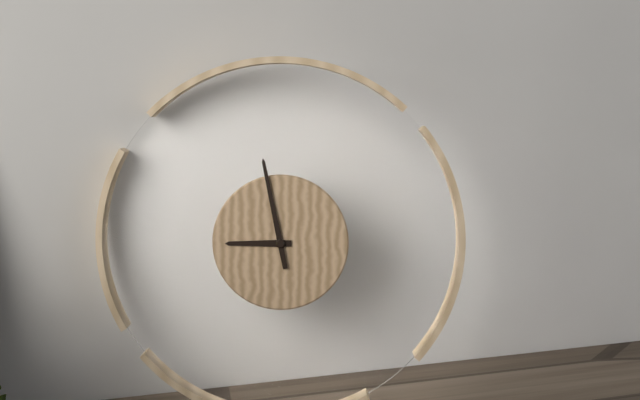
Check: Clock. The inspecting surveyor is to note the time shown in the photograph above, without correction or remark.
8:58
